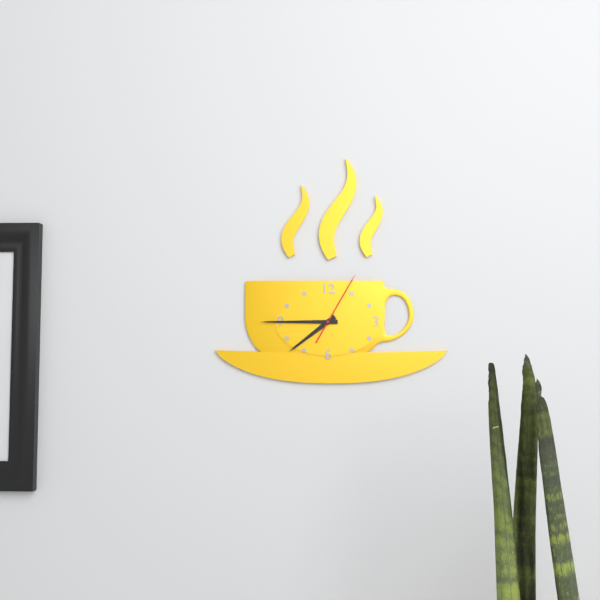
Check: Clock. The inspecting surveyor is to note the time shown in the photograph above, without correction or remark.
7:45:05
